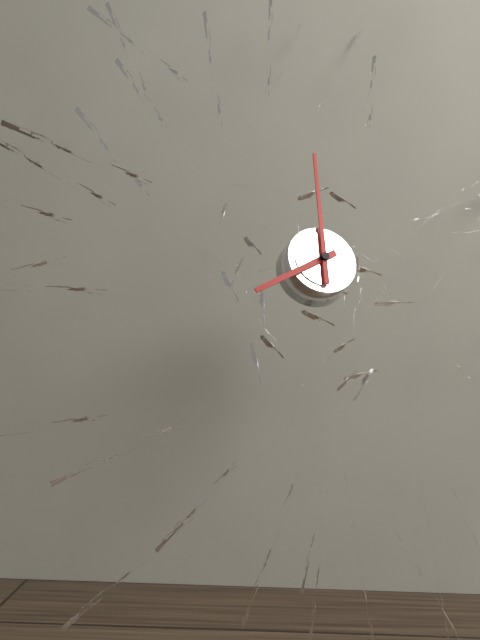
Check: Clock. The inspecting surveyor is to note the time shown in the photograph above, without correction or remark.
8:00
